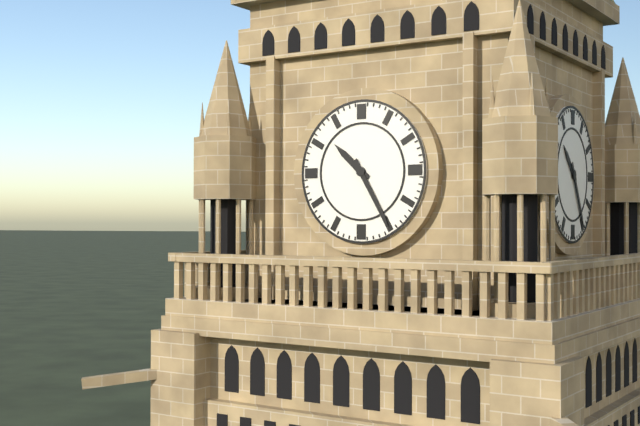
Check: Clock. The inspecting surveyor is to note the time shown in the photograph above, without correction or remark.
10:25
